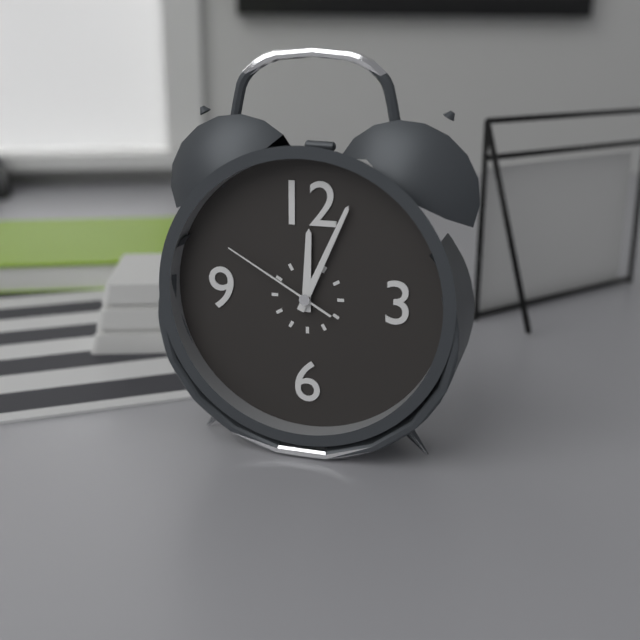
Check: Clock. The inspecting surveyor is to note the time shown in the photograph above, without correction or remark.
12:04:50
